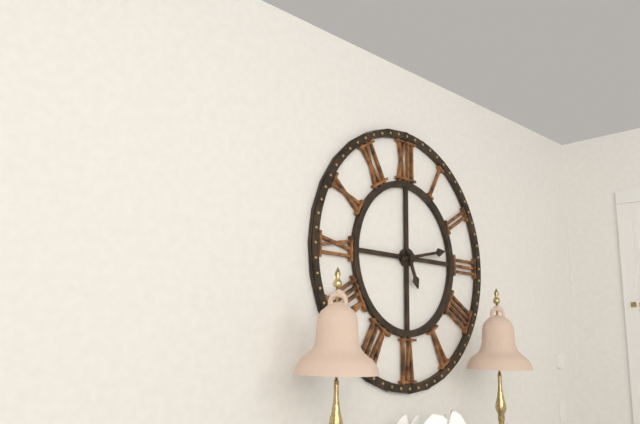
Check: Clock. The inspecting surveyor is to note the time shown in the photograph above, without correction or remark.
5:13
